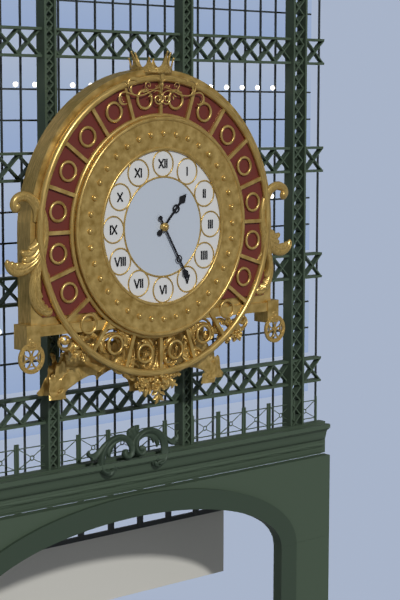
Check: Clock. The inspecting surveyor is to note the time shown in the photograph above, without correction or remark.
1:25
